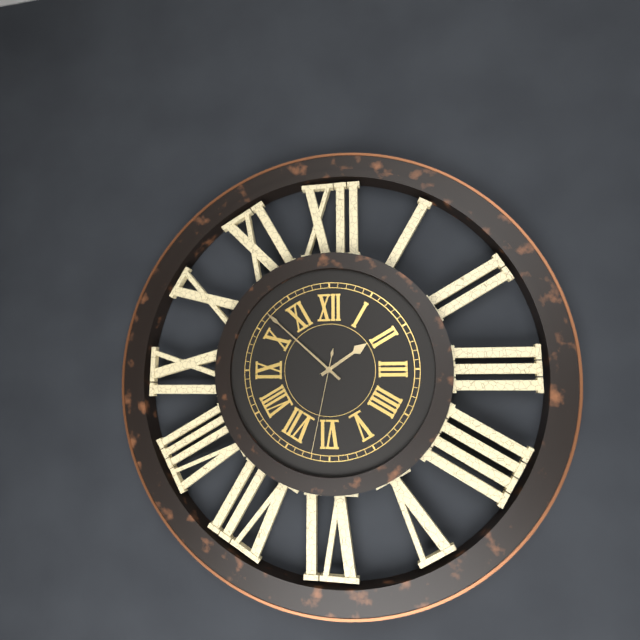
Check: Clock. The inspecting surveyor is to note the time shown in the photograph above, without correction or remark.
1:52:32
